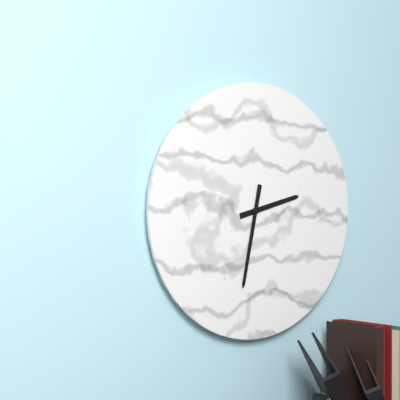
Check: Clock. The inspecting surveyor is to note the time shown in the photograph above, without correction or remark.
2:32
